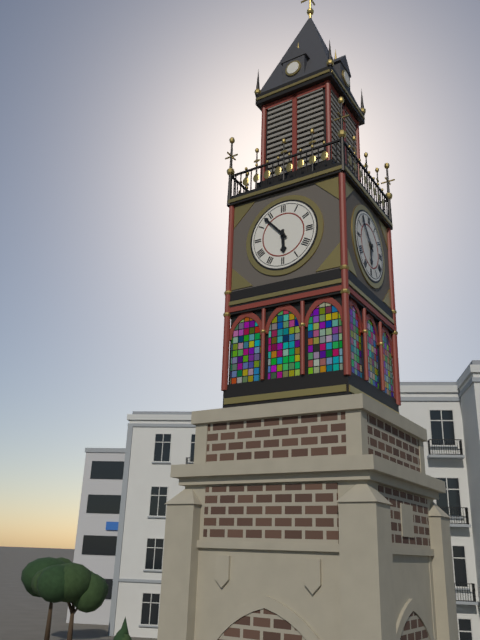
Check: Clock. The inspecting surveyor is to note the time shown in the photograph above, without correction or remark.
5:53
